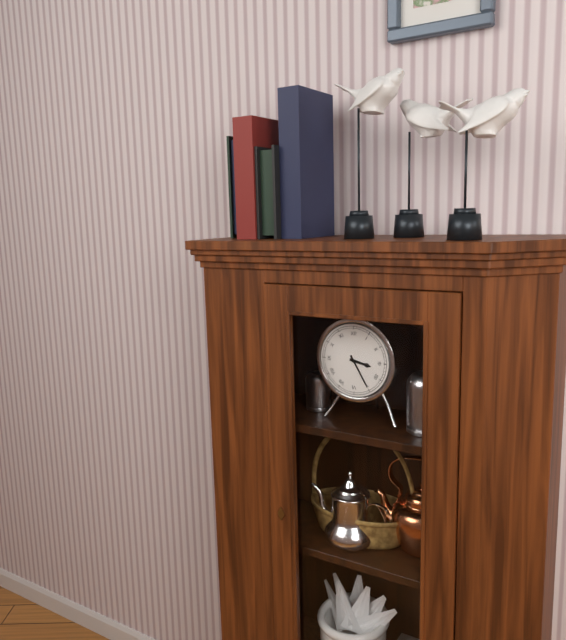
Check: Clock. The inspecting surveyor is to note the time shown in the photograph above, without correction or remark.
3:25
